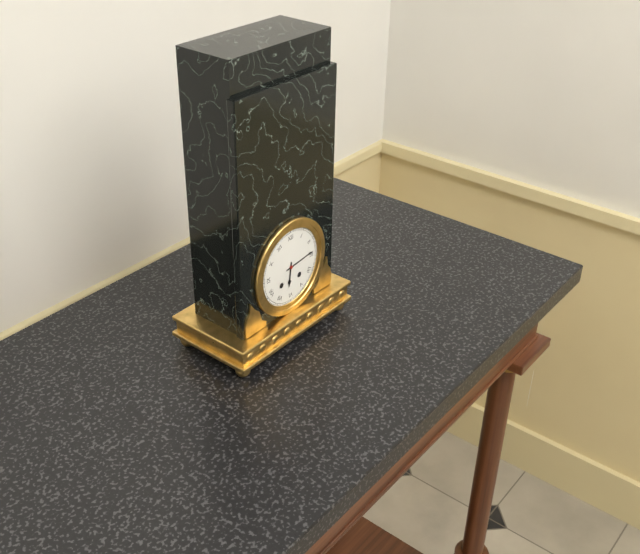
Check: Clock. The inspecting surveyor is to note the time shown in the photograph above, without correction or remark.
6:14
